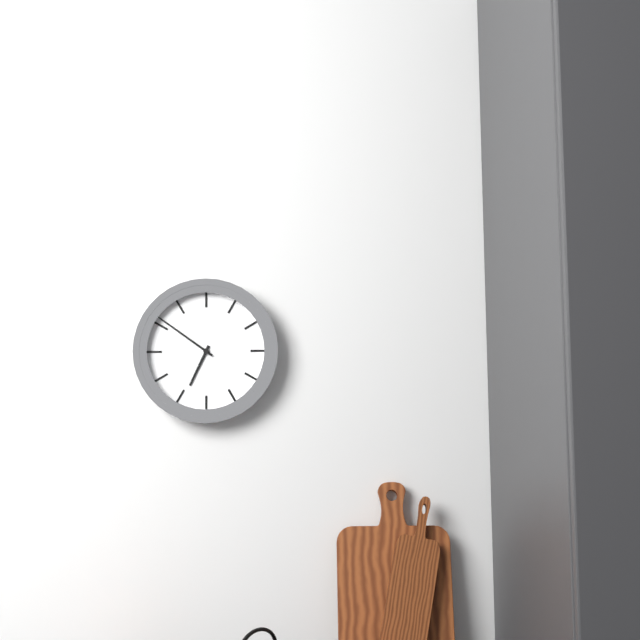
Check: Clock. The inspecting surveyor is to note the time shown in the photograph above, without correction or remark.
6:51
